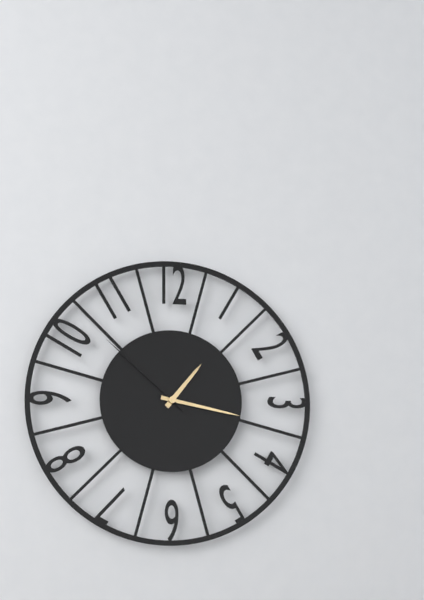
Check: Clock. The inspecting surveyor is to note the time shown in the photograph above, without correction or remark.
1:17:52
